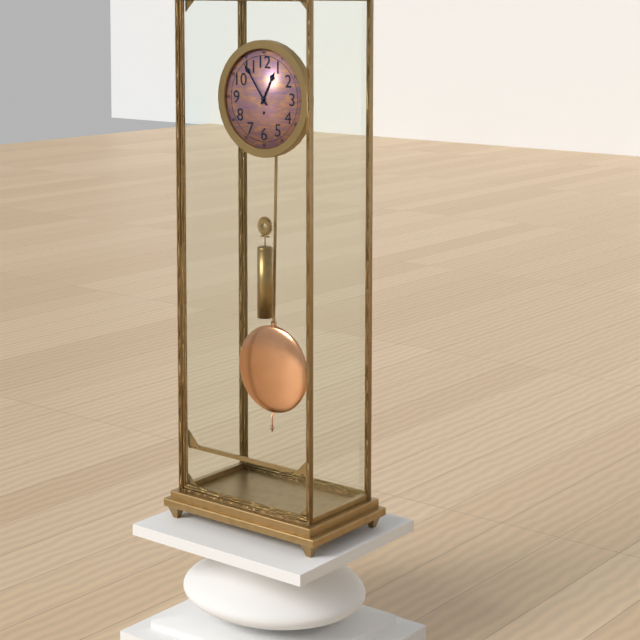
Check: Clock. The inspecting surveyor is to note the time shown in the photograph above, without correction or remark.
12:54
